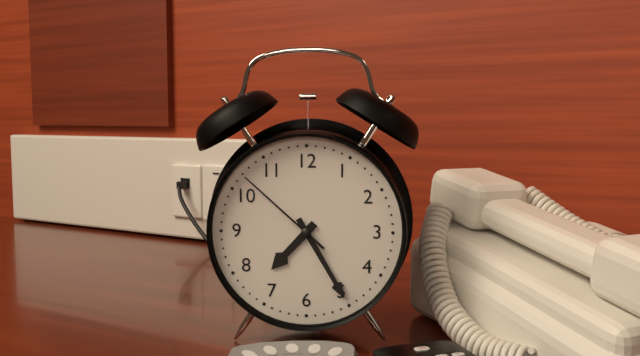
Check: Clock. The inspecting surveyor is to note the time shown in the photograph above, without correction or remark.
7:25:52
